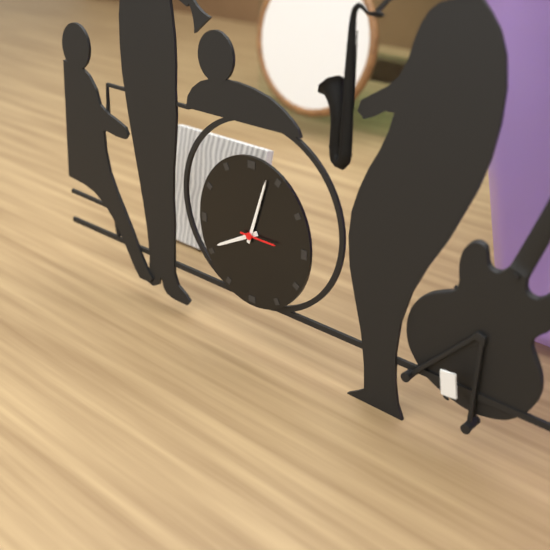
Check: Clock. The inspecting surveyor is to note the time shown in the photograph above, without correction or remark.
8:03
